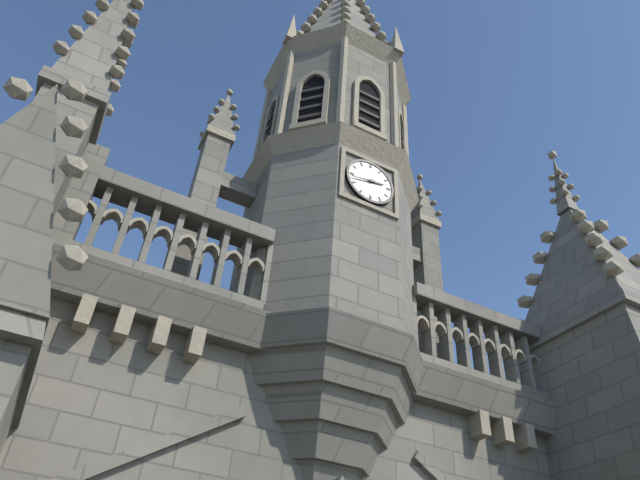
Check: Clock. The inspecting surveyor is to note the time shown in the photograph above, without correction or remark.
2:43
